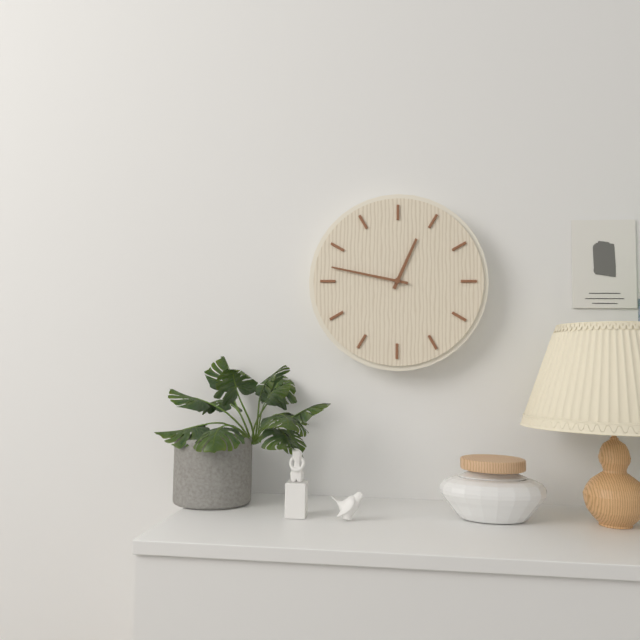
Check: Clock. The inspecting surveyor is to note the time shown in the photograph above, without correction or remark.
12:47
